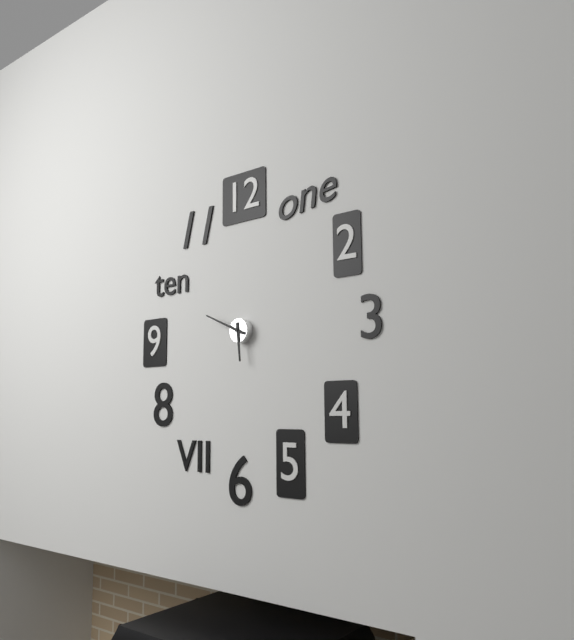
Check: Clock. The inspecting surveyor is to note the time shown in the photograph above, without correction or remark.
5:49
